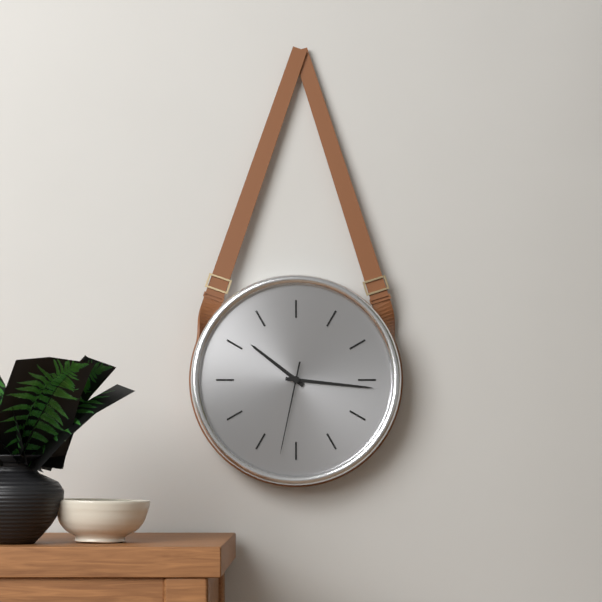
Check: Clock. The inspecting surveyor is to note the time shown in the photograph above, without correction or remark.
10:16:32
